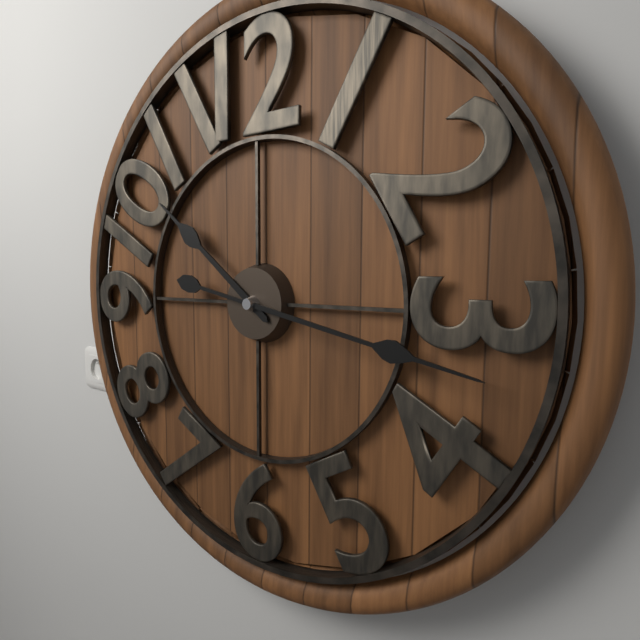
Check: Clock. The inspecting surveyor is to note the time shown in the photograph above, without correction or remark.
10:17
